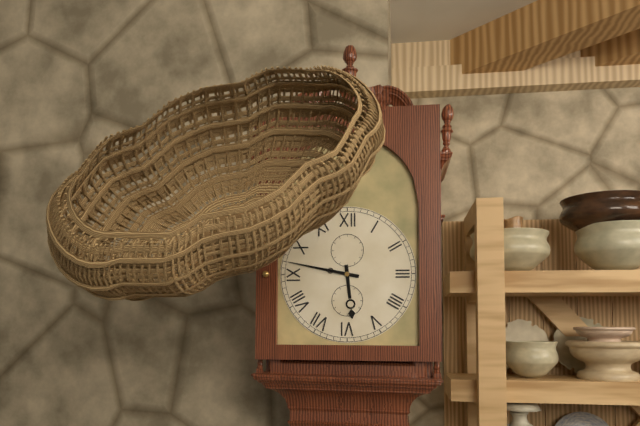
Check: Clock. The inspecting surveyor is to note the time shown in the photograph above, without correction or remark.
5:47
